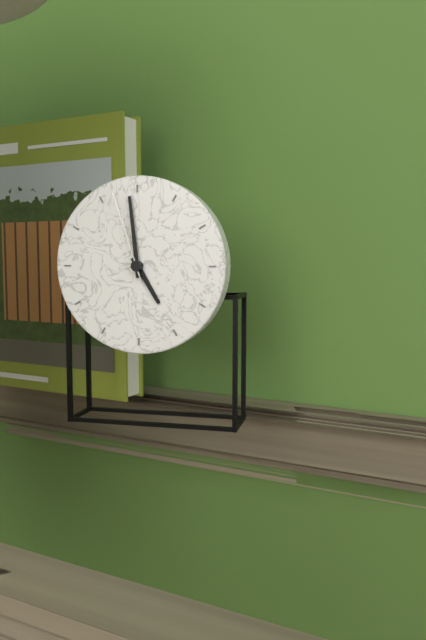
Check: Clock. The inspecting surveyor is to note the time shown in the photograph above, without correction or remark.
4:59:57
